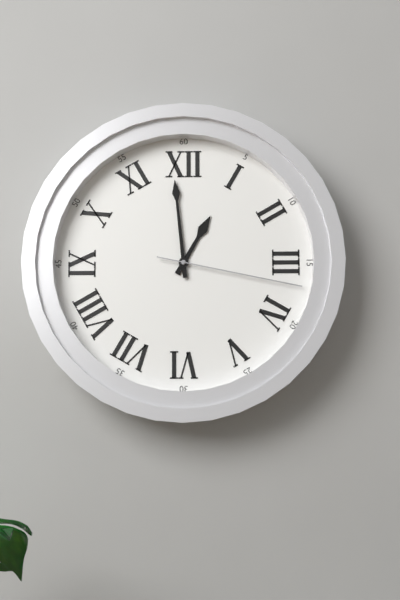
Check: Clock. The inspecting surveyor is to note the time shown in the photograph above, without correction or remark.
12:59:17
